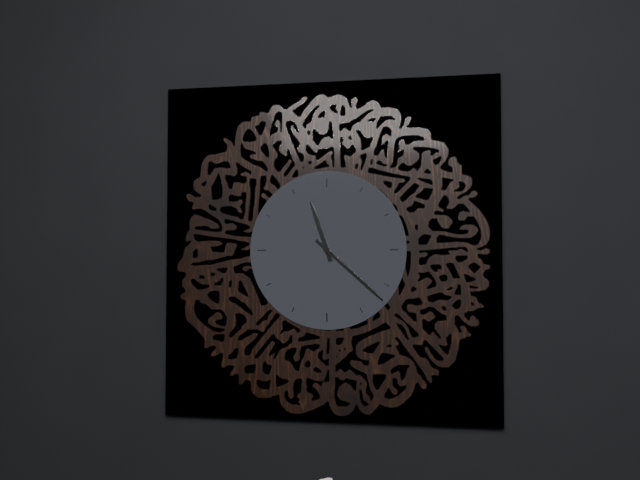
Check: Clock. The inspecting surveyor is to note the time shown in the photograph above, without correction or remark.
11:22
